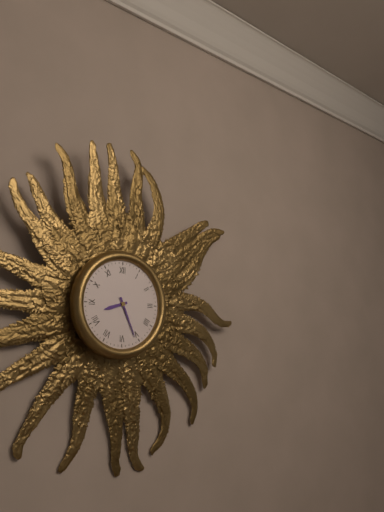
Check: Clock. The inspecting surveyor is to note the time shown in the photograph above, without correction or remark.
8:26
